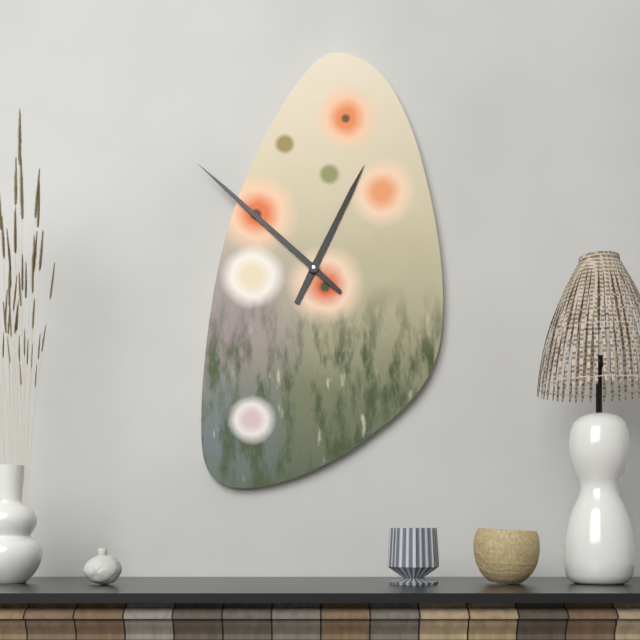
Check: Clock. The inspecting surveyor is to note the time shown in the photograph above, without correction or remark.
12:52
